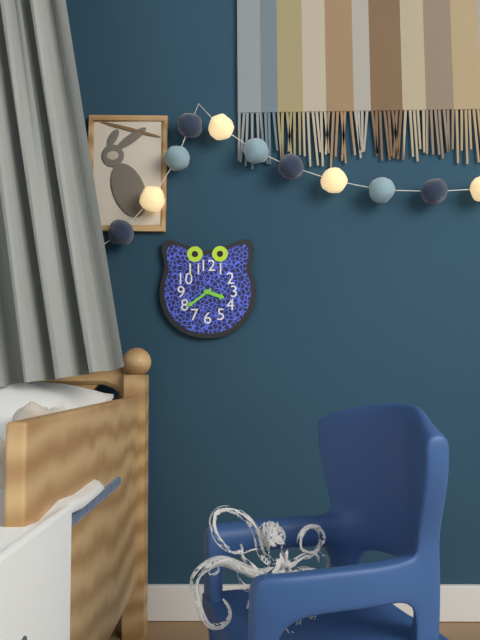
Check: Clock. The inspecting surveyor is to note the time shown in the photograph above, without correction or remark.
3:39
